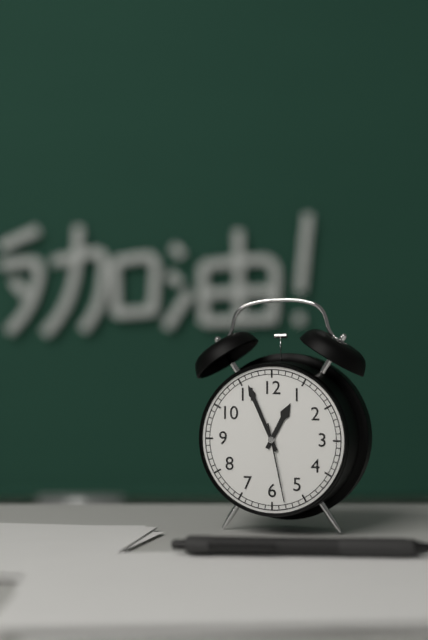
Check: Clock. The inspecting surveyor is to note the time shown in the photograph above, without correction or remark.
12:56:28
